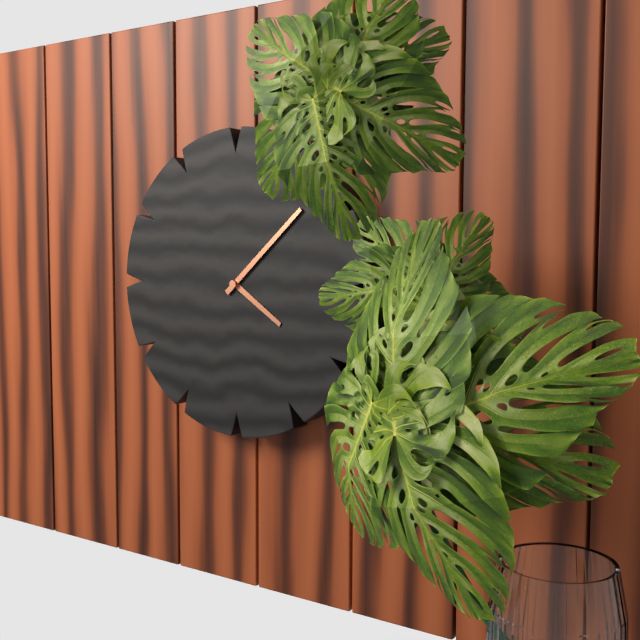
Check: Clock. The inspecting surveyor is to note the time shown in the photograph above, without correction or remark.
4:08
